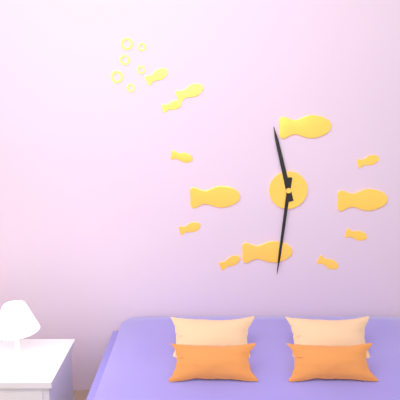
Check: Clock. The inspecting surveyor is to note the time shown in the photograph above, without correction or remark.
11:31
